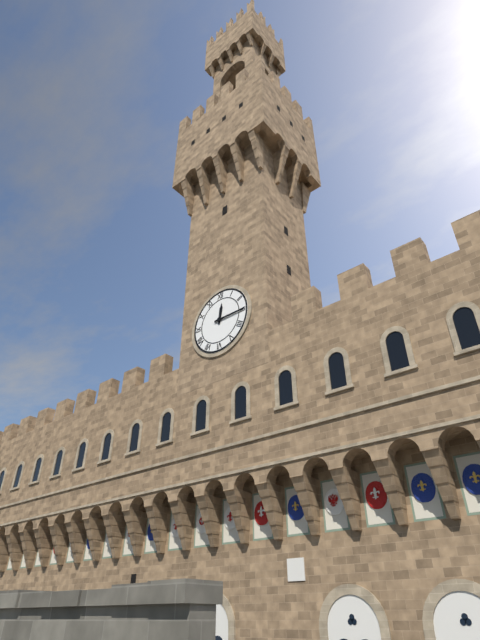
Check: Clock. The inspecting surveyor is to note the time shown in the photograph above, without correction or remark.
12:15
